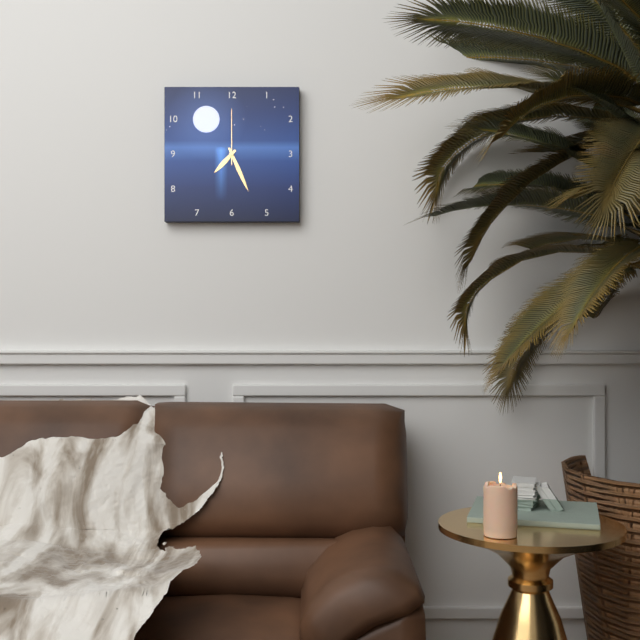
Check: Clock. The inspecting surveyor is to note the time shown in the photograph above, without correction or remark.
7:26:00
